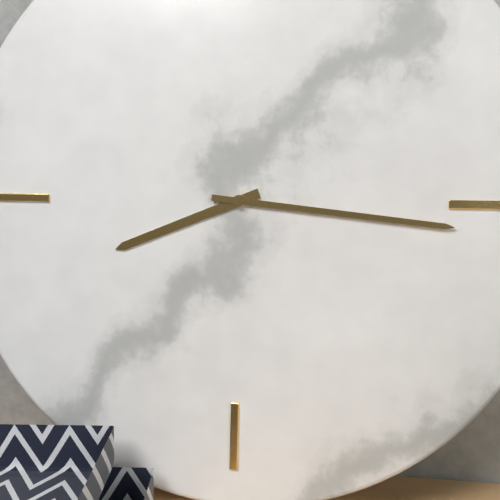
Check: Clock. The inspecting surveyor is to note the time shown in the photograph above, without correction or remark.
8:16
